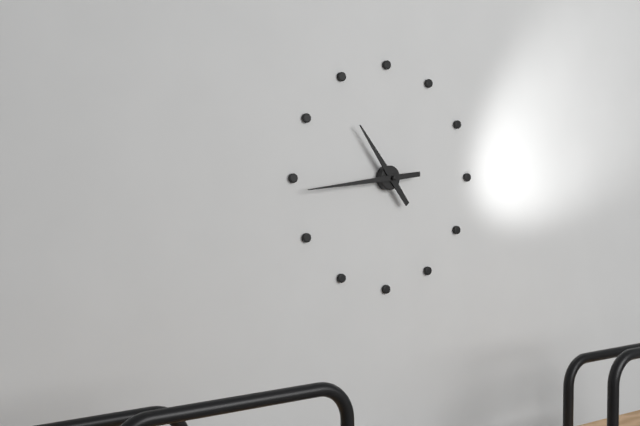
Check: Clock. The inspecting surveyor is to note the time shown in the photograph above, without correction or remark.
10:44
